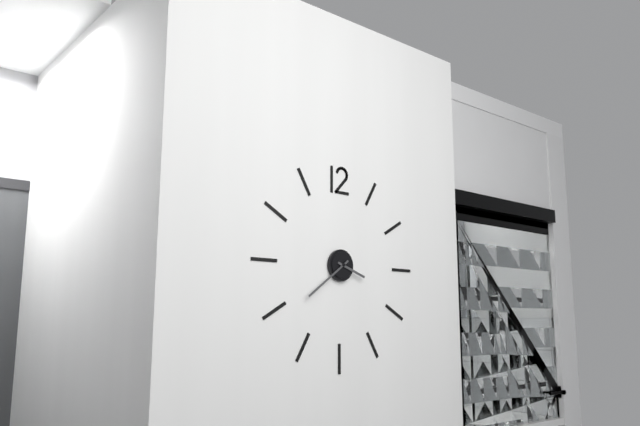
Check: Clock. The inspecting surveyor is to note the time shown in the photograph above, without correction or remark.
3:39
